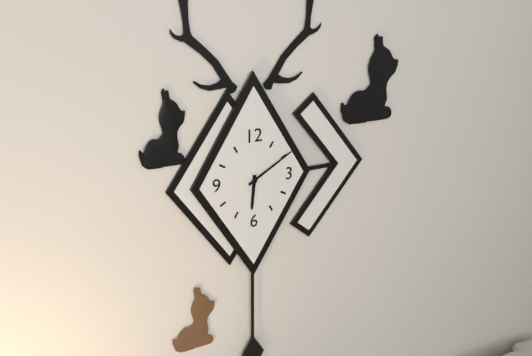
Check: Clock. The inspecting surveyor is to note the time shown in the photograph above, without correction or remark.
6:10
